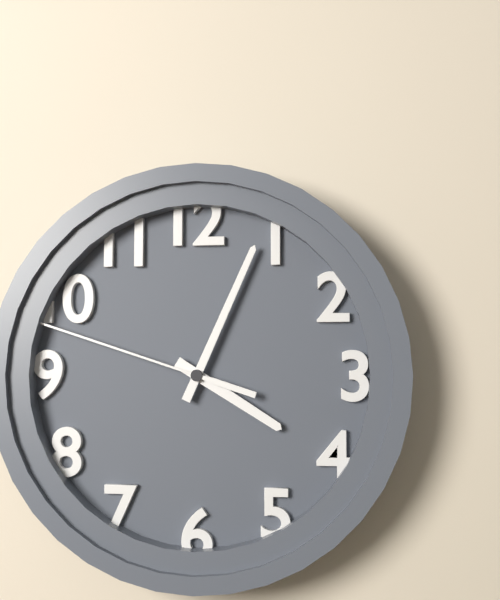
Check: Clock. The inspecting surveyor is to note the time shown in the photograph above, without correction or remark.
4:04:48
